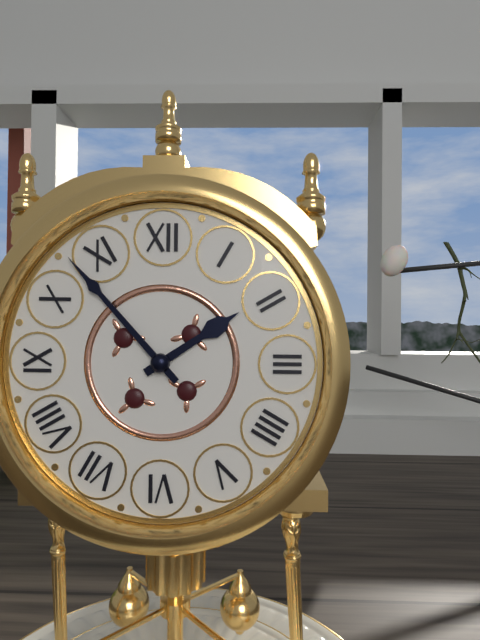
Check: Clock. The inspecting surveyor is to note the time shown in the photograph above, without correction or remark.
1:53
